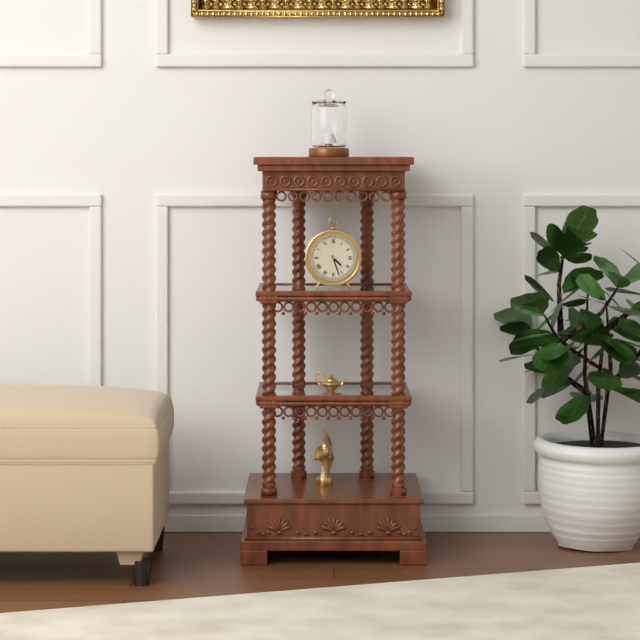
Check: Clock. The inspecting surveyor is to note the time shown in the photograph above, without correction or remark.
4:27
